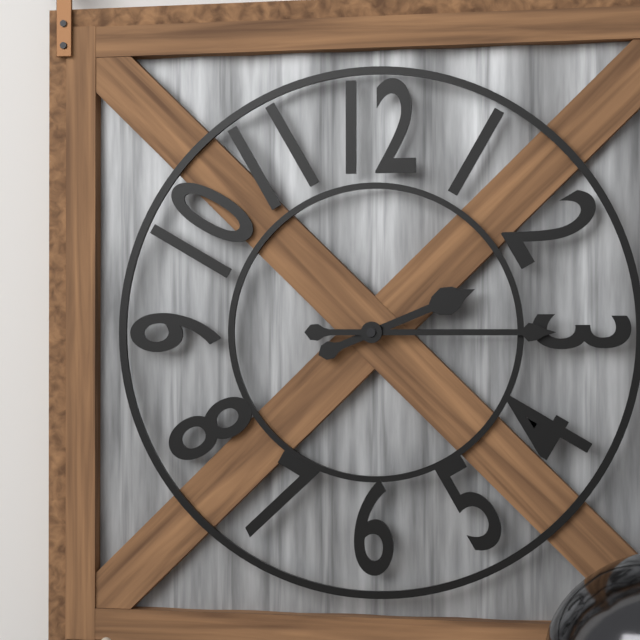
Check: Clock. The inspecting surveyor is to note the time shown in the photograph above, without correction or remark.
2:15
